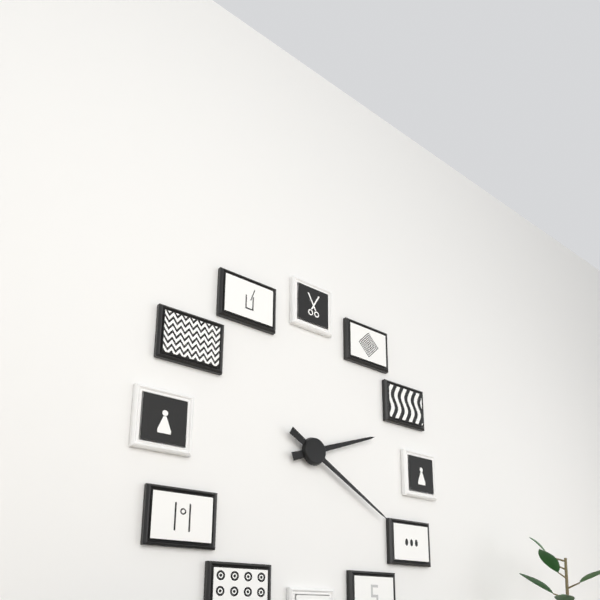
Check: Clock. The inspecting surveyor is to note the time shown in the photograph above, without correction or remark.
2:20
